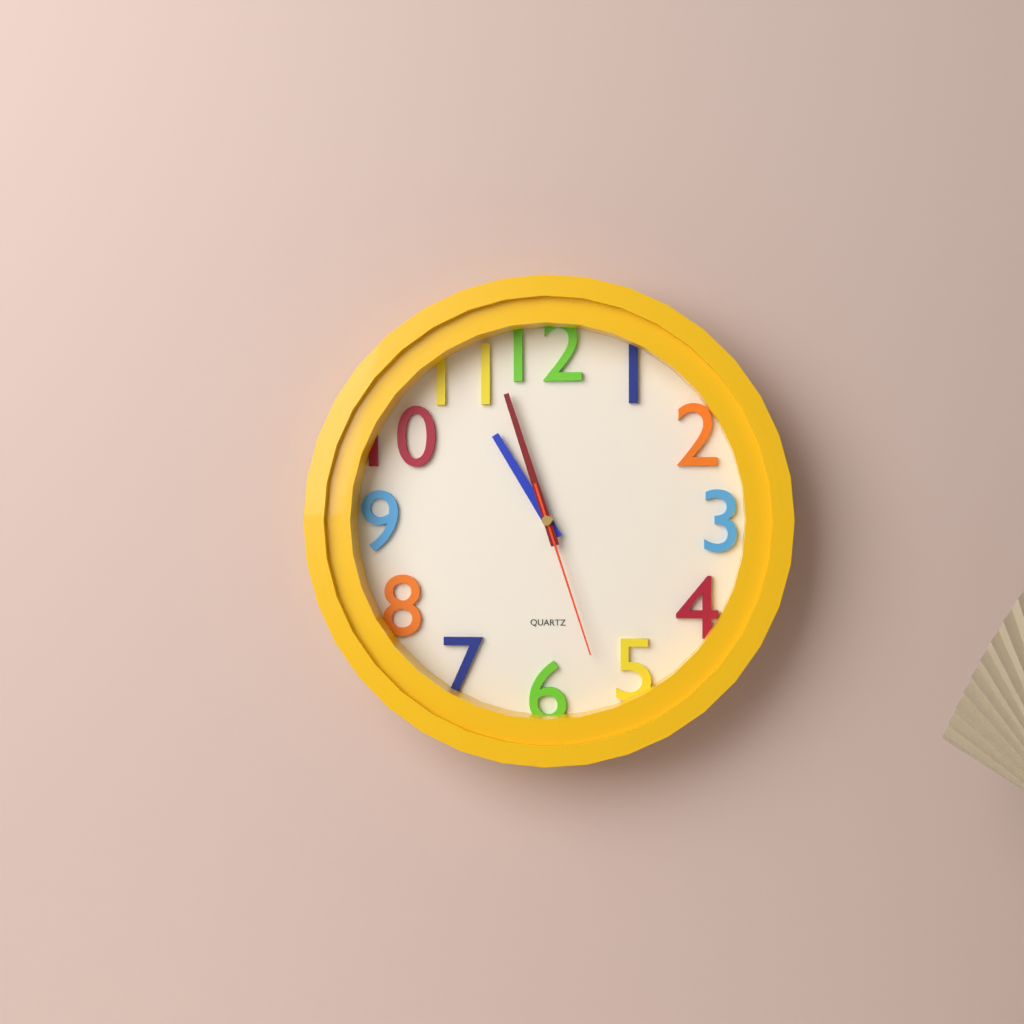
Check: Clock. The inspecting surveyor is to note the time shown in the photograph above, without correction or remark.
10:57:27
